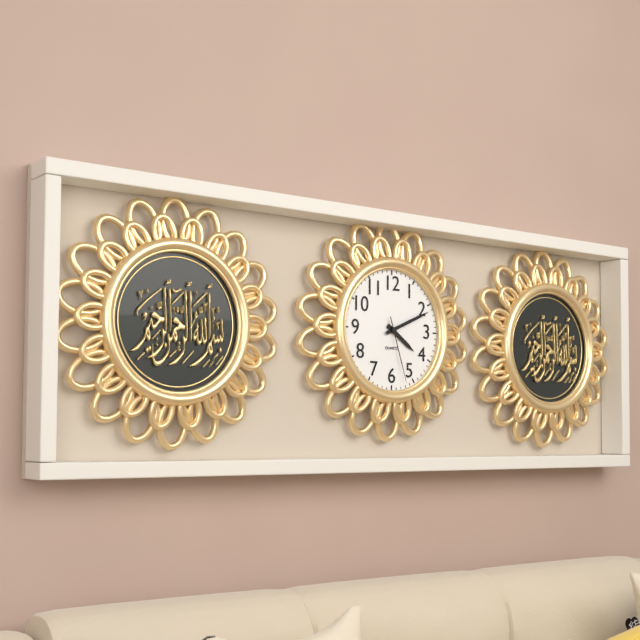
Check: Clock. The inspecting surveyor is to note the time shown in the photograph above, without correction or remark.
4:11:27
